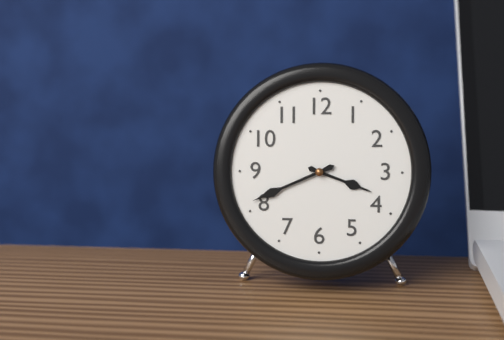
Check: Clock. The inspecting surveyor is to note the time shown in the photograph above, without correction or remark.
3:41
